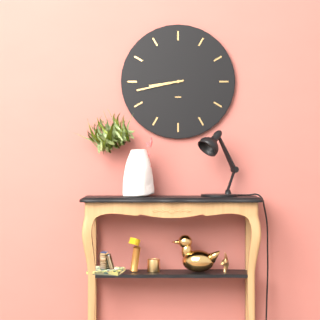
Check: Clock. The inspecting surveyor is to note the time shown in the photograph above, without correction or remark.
8:43
